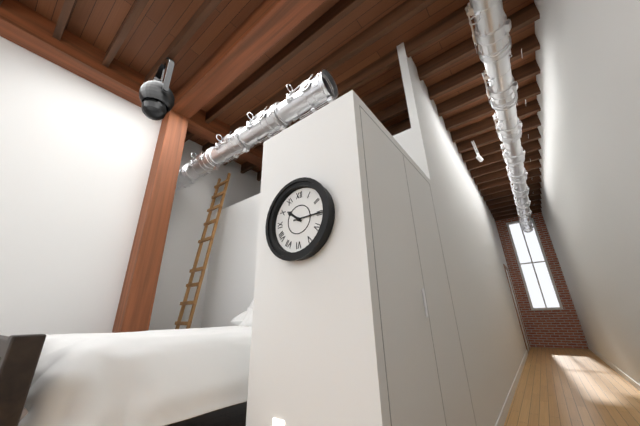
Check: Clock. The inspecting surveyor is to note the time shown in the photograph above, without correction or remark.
10:15
